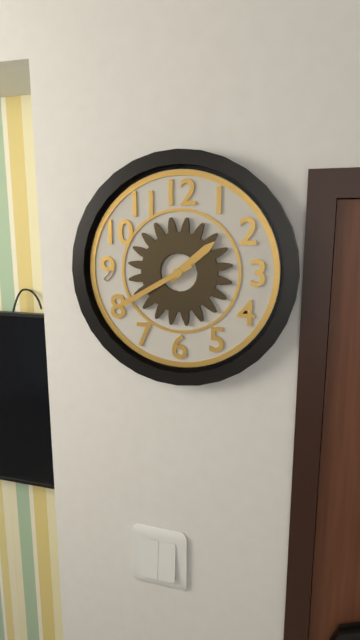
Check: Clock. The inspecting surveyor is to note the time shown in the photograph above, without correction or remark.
1:40
